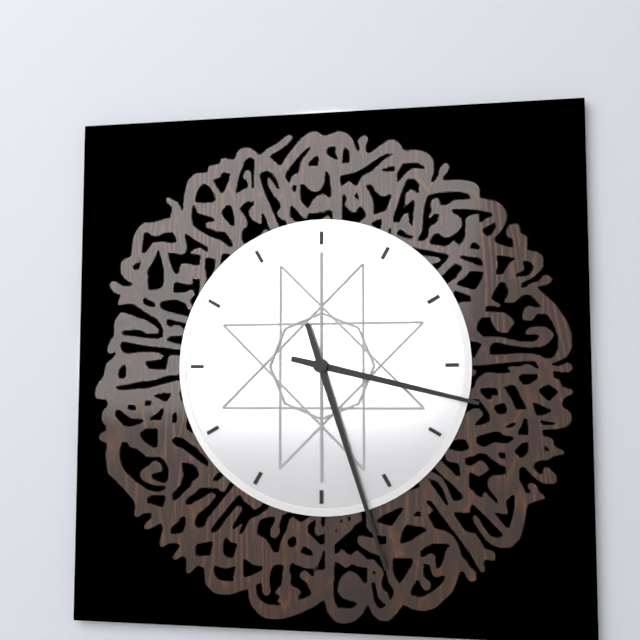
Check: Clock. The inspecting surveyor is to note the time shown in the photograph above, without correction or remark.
3:27
